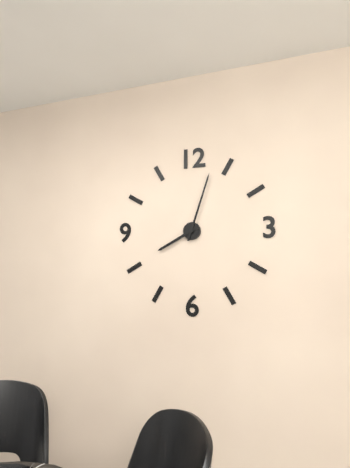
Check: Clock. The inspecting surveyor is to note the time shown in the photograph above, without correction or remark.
8:03
